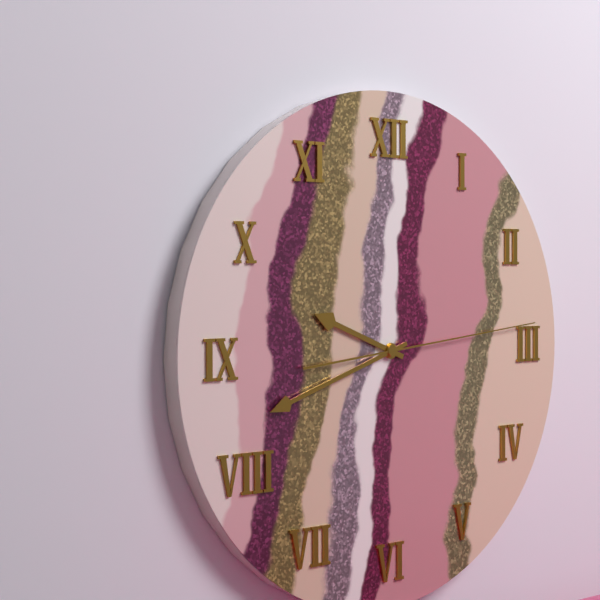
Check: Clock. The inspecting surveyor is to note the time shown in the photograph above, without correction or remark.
9:42:14
